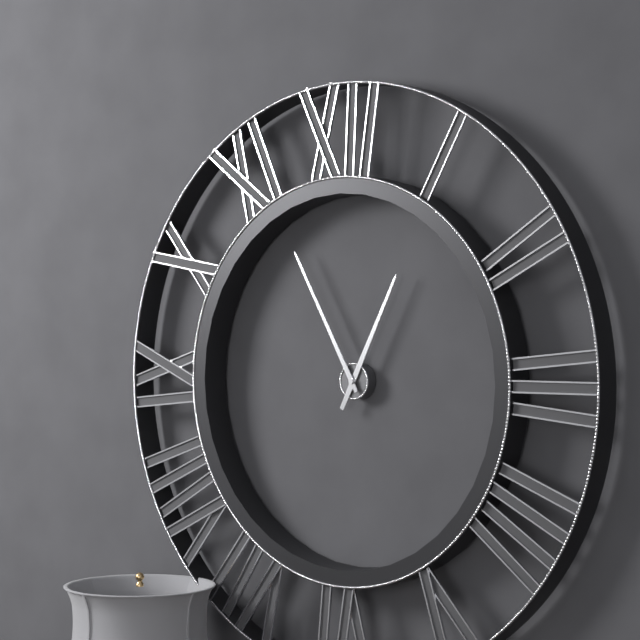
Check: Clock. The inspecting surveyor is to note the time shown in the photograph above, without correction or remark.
12:55
